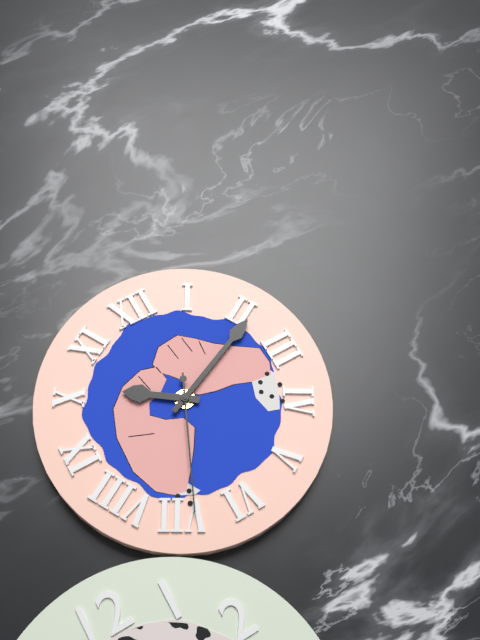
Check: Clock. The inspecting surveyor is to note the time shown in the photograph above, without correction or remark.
10:11:34
